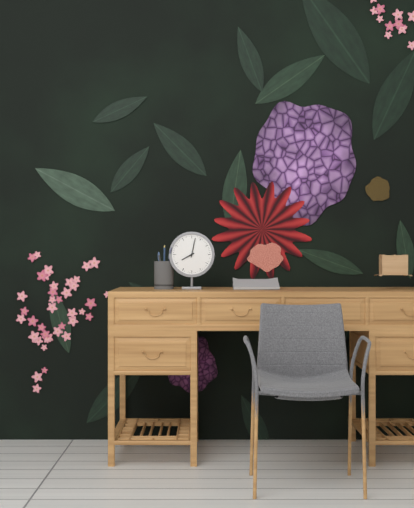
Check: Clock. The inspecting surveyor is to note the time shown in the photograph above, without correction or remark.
8:02
